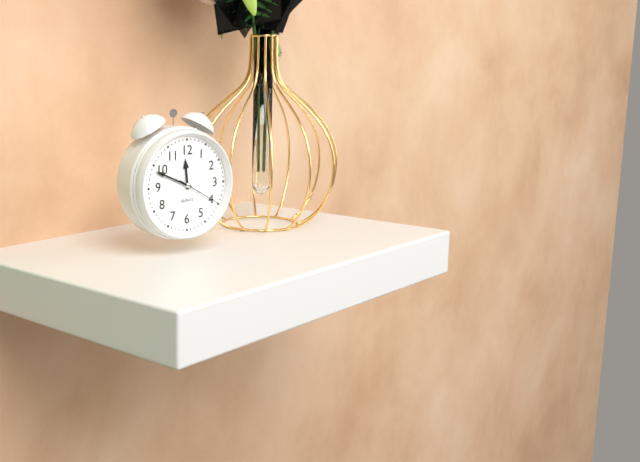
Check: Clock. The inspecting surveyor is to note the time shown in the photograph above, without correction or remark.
11:49
